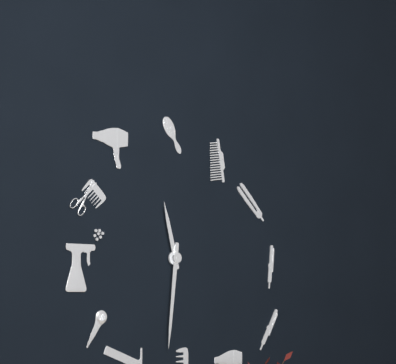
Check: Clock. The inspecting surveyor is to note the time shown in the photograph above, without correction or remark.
11:31
